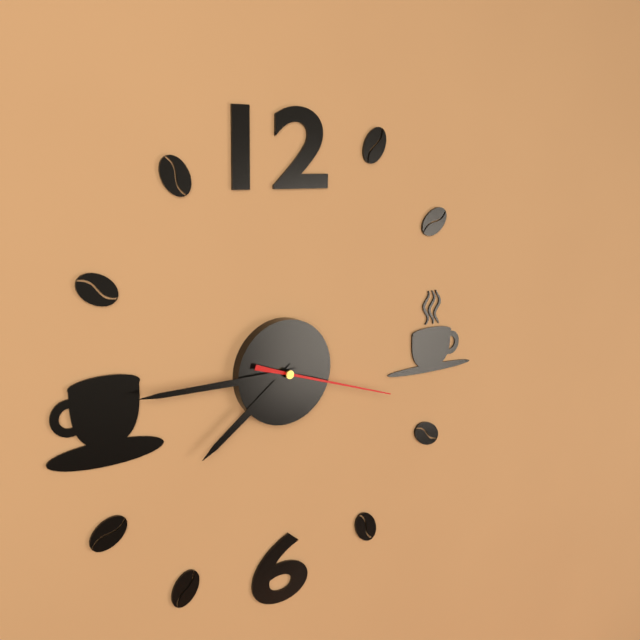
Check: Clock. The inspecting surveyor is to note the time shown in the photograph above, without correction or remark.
7:45:18
